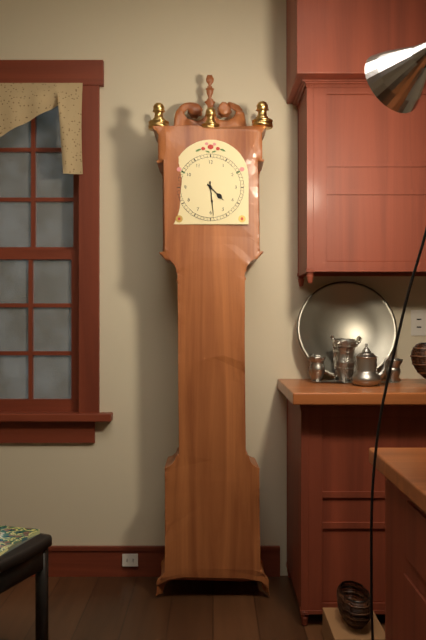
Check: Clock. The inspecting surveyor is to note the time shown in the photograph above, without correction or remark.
4:29
